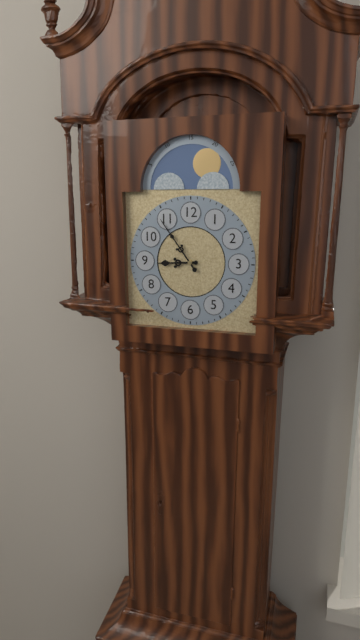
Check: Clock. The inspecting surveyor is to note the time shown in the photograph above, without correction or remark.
8:54
